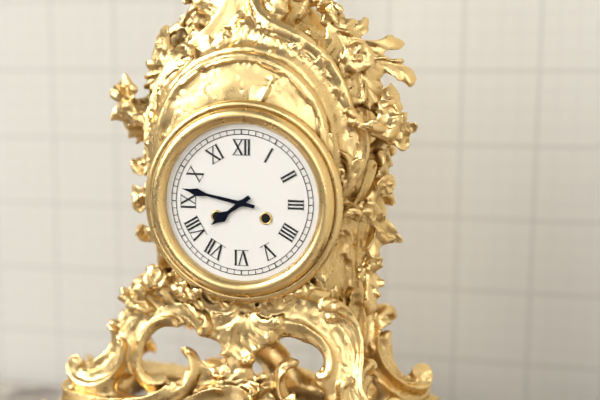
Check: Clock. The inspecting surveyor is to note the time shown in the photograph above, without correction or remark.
7:47
